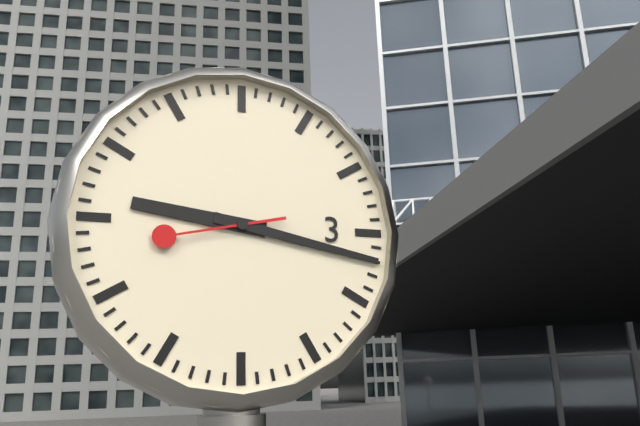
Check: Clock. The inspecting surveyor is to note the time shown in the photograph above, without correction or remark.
9:17:43
